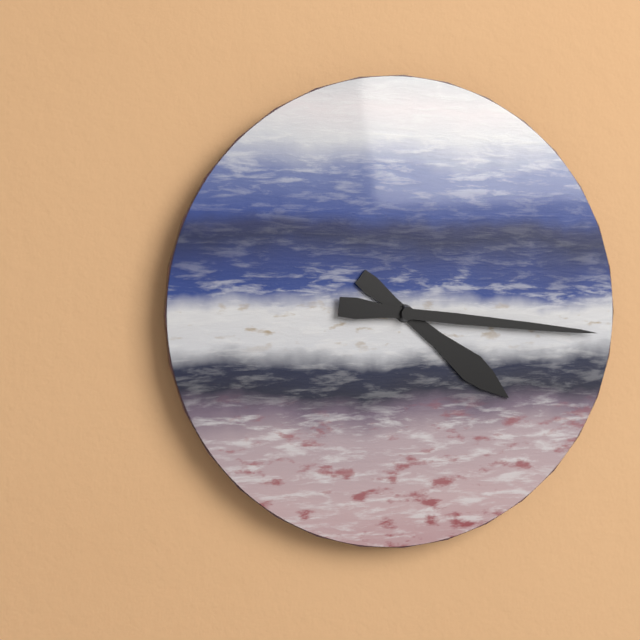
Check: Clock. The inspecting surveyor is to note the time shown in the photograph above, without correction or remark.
4:16
